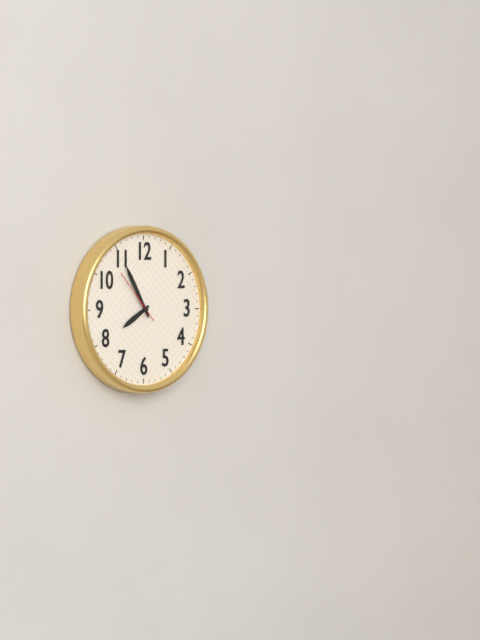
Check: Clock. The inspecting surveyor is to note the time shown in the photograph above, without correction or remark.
7:55:53
